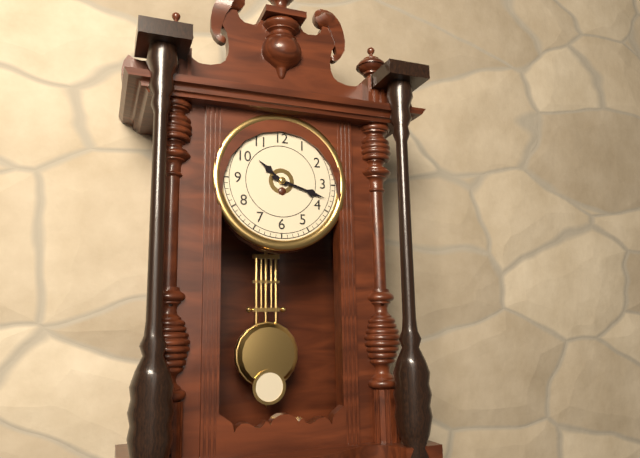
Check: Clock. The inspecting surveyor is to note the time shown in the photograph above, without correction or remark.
10:18
